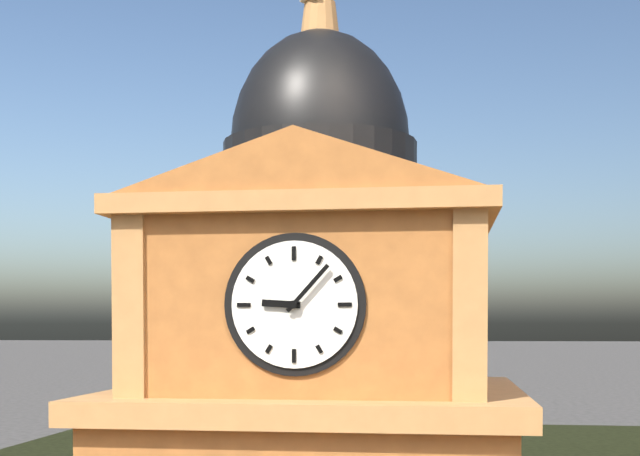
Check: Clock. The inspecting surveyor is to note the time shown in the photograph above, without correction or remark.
9:07
